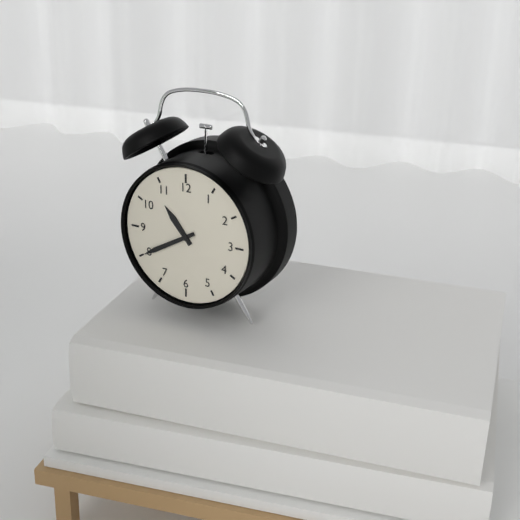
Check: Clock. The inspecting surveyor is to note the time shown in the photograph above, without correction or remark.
10:40
